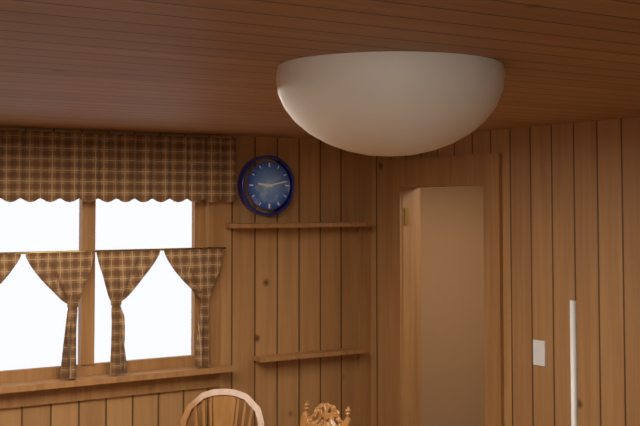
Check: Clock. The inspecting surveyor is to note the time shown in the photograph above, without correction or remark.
9:13
